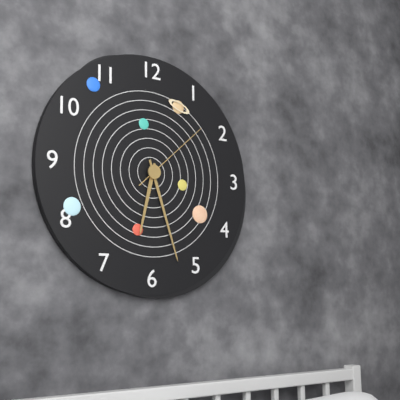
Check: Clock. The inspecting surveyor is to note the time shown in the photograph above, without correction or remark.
6:27:08
